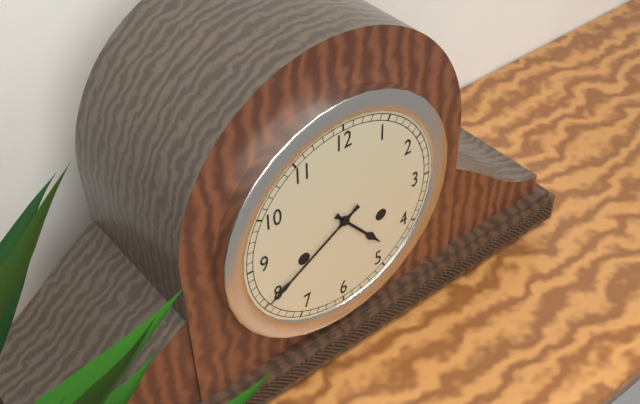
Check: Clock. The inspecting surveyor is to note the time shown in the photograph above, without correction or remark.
4:40
